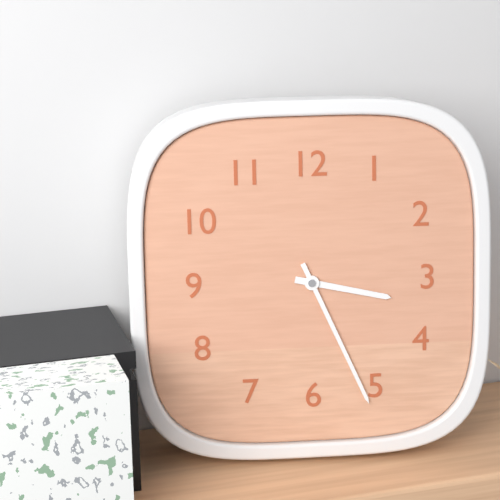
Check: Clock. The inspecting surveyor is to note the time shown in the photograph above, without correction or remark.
3:26
